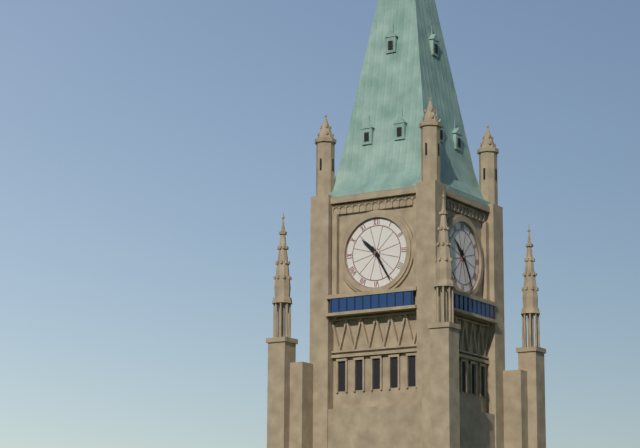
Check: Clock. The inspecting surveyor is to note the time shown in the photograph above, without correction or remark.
10:25
